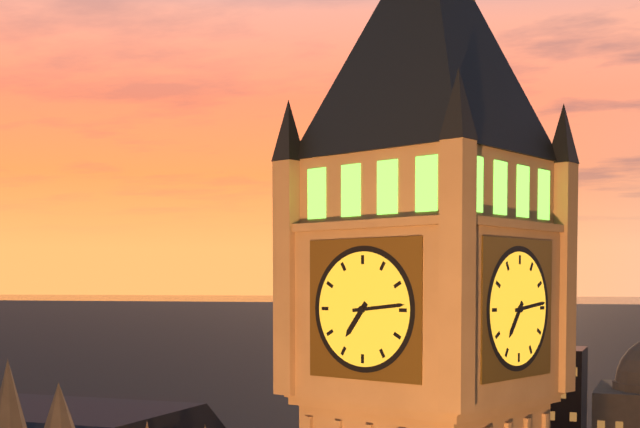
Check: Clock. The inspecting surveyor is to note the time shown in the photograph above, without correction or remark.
7:14
